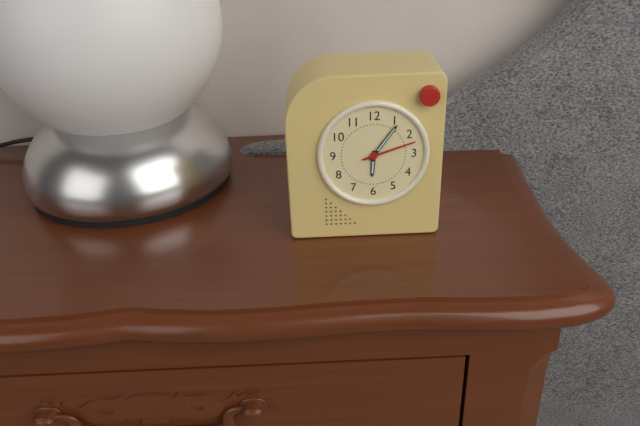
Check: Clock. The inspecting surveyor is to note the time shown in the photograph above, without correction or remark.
6:06:12
